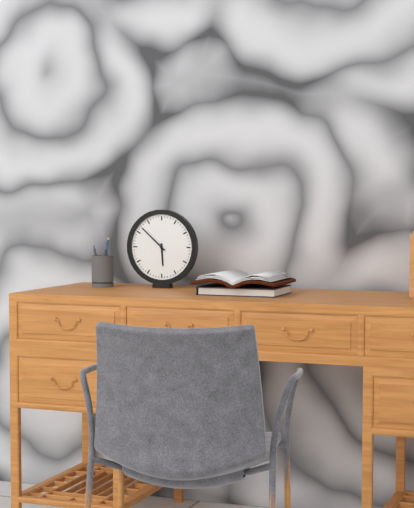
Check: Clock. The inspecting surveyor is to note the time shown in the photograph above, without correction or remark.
5:52
